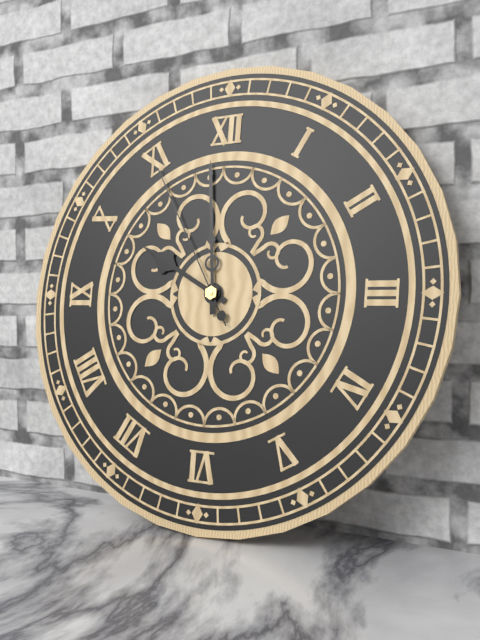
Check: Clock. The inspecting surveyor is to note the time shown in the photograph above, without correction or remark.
9:59:55
